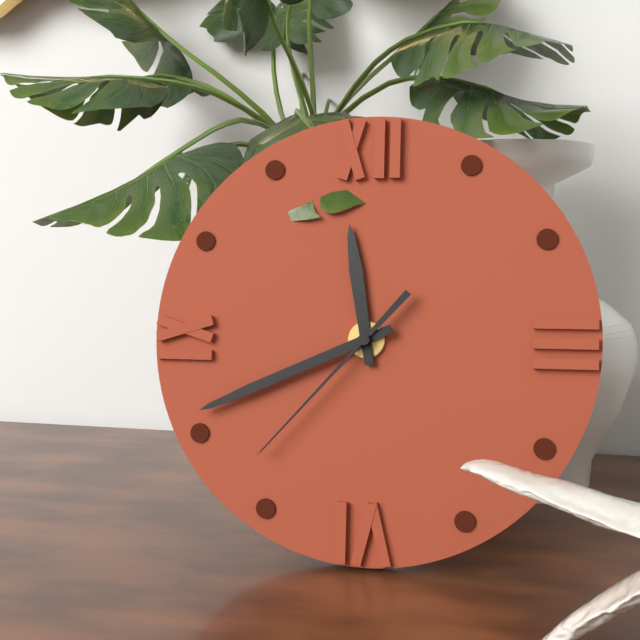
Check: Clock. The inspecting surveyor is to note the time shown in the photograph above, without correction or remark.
11:41:37
